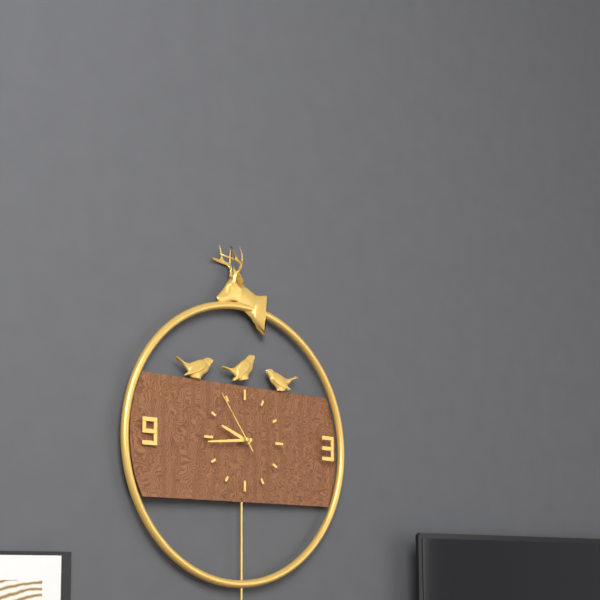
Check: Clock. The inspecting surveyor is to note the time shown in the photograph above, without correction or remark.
9:44:54
